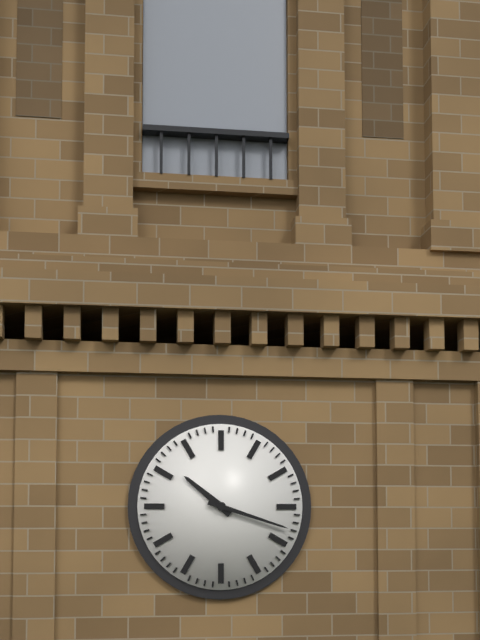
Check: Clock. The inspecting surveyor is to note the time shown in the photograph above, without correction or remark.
10:18
